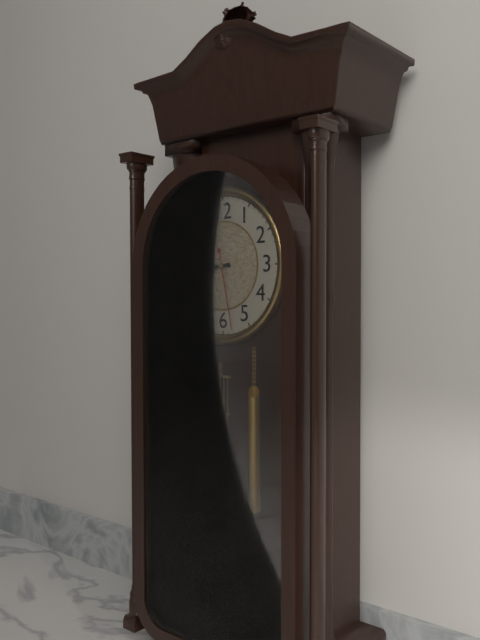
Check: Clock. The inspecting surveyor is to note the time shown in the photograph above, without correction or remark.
8:45:28
